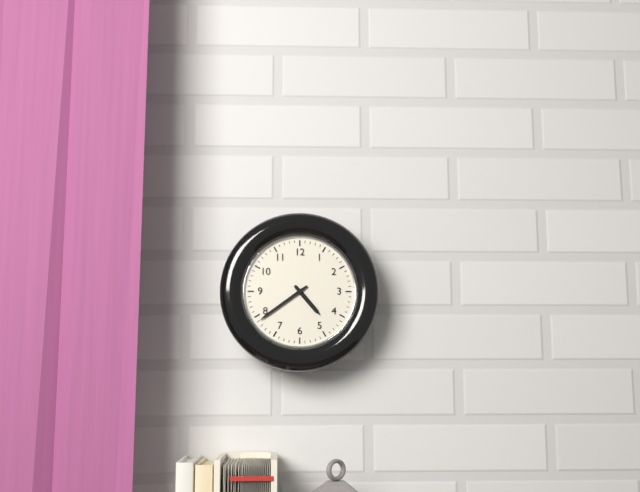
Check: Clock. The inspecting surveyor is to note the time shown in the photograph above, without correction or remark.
4:39
